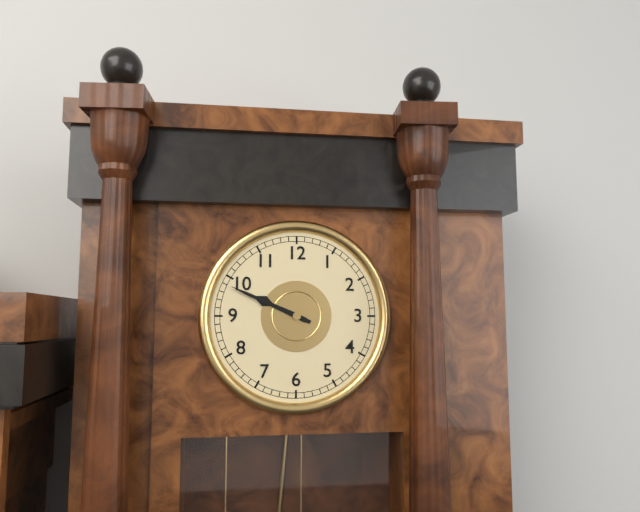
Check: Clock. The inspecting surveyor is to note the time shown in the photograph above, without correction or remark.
9:49
